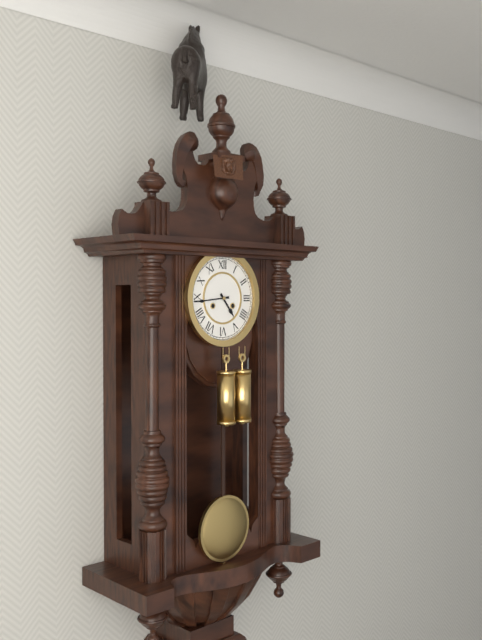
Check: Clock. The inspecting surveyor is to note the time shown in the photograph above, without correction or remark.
4:44
